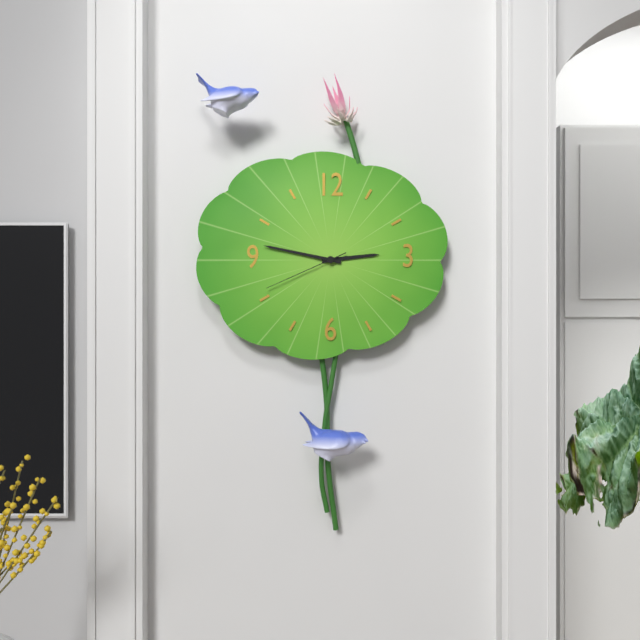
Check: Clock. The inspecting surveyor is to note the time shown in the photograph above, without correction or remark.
2:47:41
